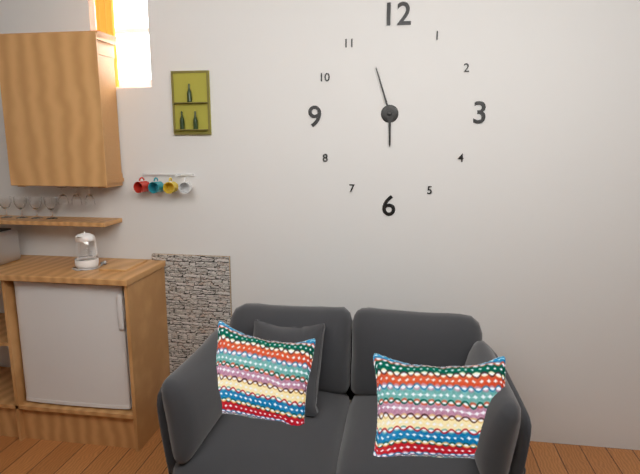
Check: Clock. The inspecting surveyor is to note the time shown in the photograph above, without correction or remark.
5:57
